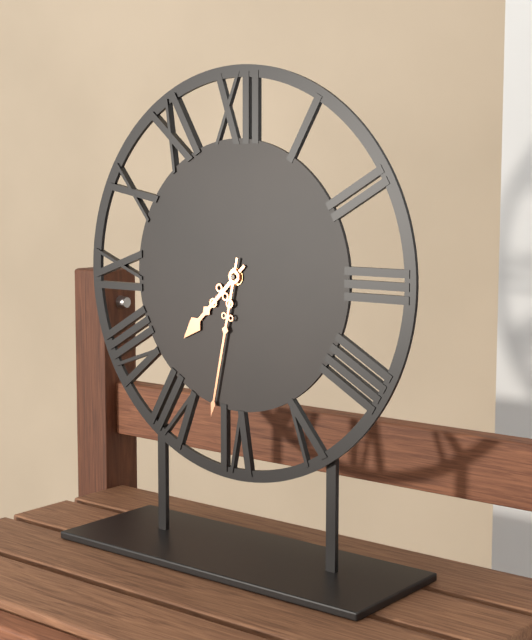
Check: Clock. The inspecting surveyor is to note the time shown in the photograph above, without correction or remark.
7:32
